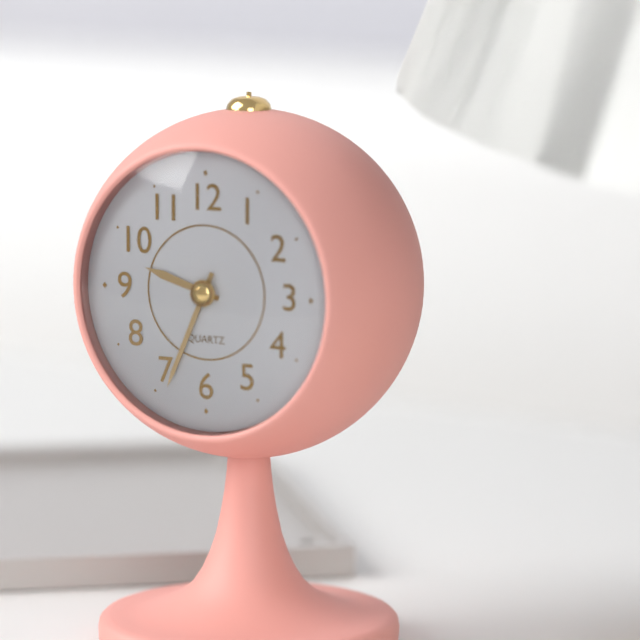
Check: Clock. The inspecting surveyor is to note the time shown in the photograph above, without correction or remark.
9:34
